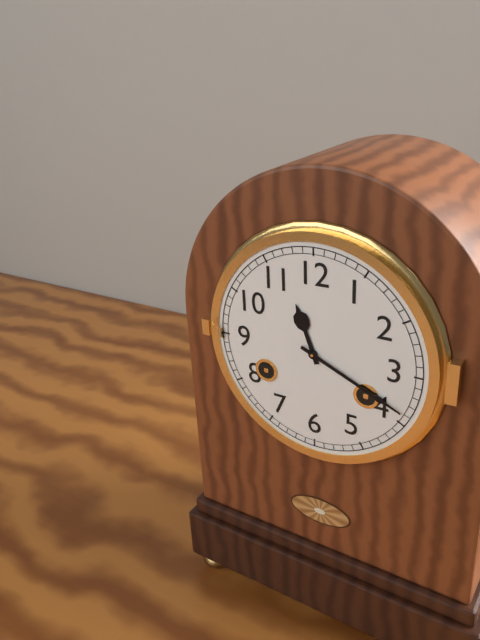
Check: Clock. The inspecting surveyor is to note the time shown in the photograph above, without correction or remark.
11:19
